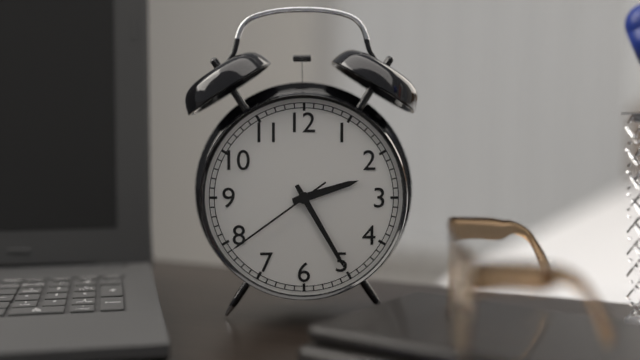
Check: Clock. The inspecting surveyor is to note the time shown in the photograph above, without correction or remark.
2:25:39
